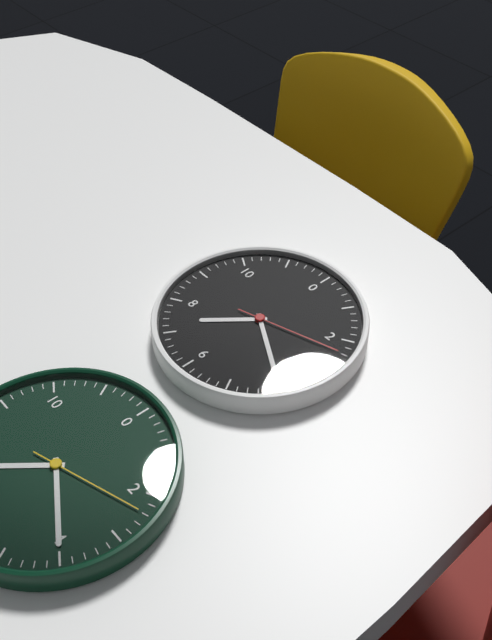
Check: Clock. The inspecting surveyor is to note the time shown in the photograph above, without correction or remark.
7:20:12
